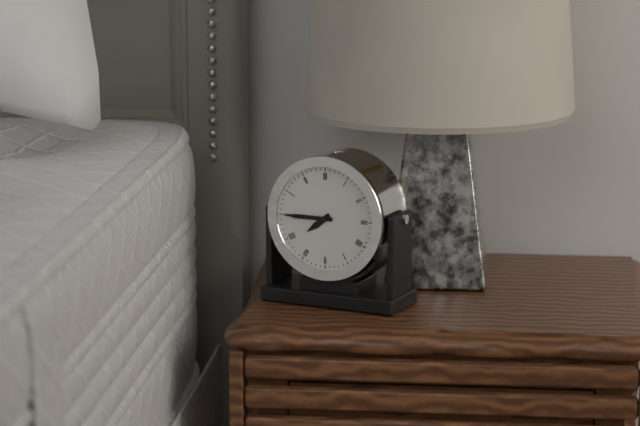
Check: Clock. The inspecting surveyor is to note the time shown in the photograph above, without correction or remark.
7:45
